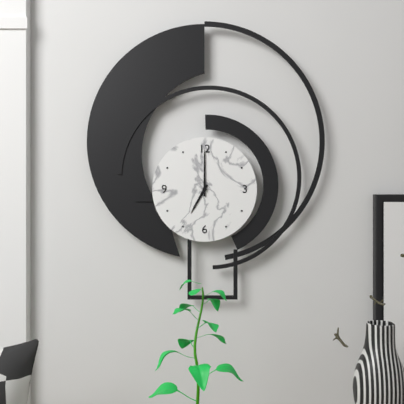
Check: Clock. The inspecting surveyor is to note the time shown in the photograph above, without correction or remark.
7:00
